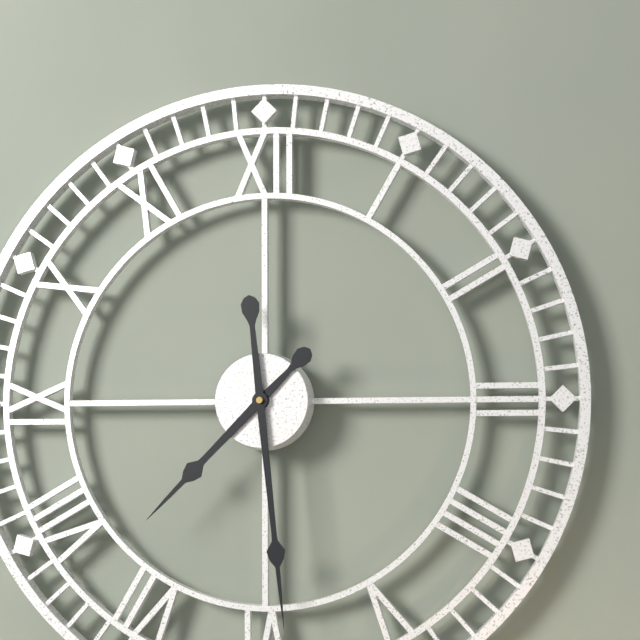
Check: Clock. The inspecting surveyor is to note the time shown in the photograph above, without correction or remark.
7:29
